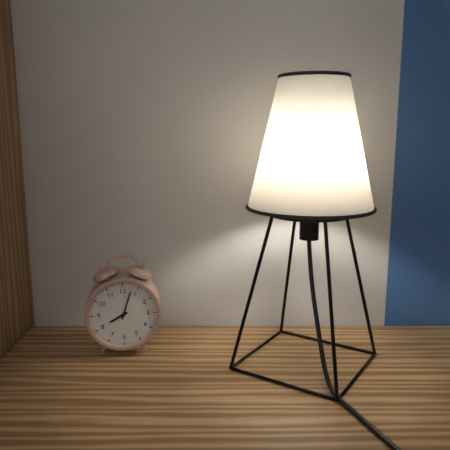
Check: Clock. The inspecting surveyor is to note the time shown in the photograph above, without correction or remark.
8:03
